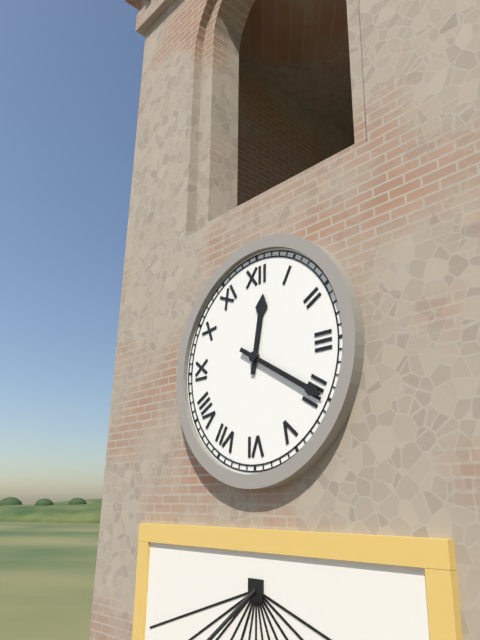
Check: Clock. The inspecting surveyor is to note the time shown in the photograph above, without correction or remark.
12:20
